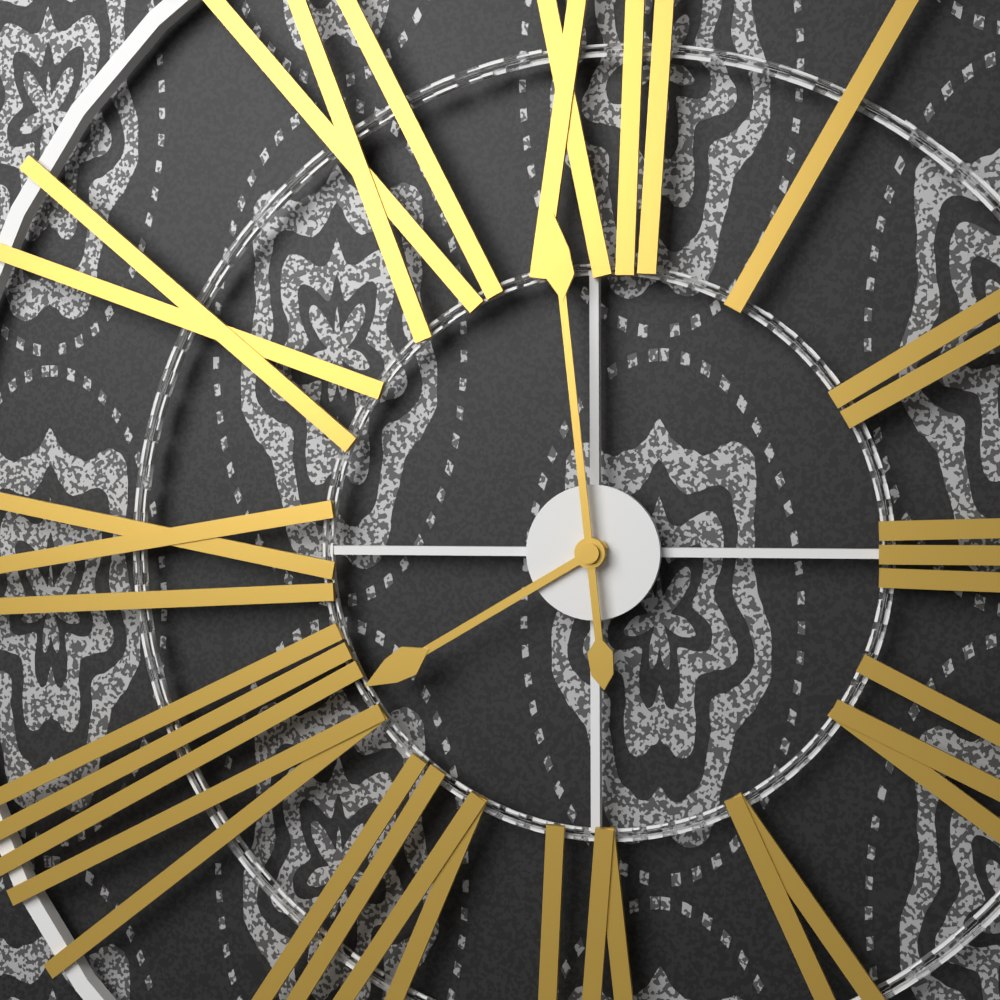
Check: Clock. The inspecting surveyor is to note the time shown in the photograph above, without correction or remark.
7:59
